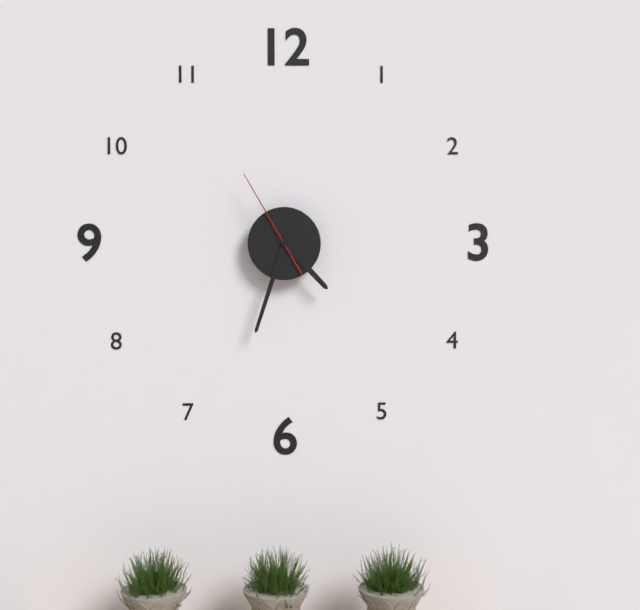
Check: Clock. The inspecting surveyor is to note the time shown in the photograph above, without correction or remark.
4:33:55
